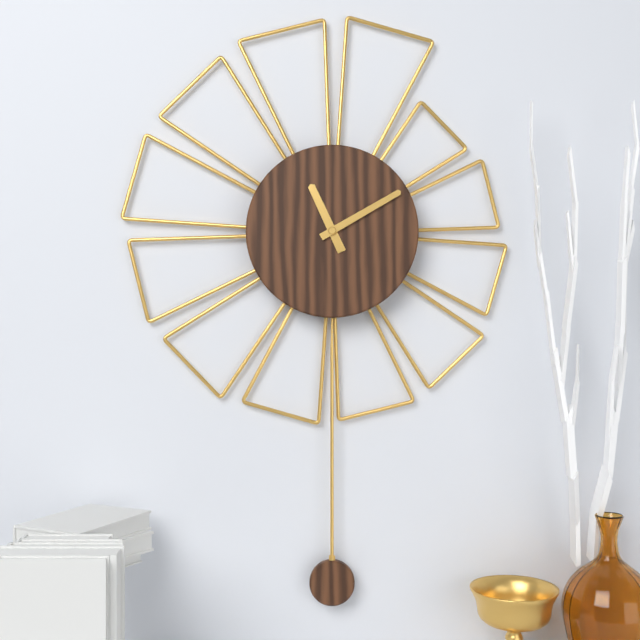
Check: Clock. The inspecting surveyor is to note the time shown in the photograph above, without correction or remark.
11:10
